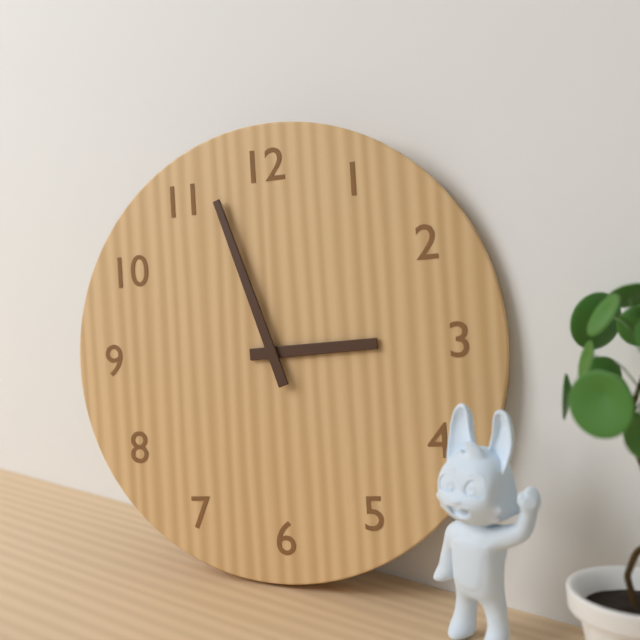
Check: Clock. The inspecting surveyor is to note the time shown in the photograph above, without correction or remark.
2:57
